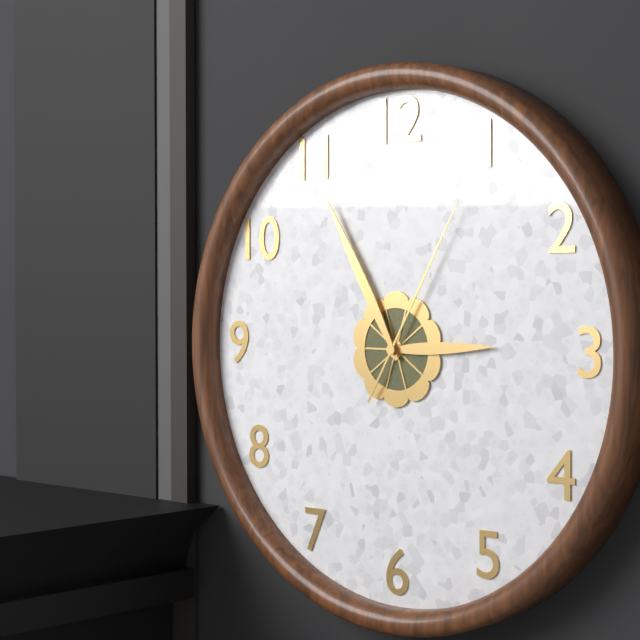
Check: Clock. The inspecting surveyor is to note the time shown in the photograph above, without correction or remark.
2:55:05
